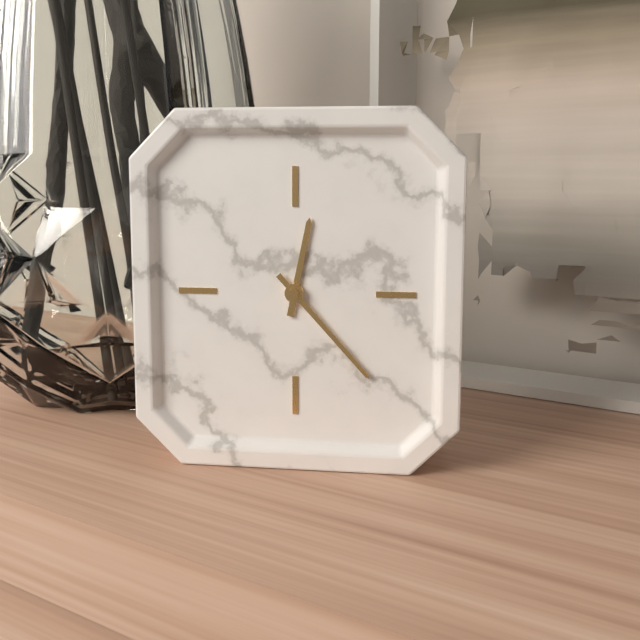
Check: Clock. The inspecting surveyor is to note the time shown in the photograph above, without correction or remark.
12:23
